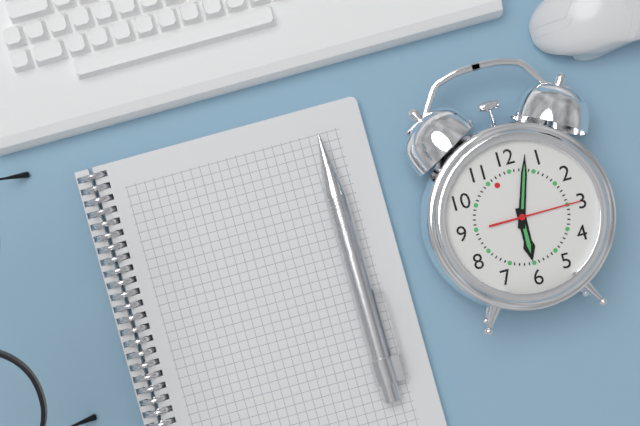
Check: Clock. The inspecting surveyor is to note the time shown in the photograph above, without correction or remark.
6:03:15
